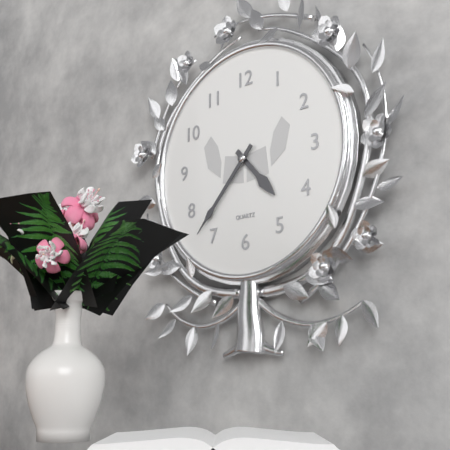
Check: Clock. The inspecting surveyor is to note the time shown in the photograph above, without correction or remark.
4:37
